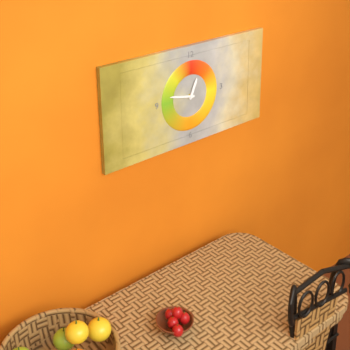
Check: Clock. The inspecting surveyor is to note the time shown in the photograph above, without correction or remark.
12:47
